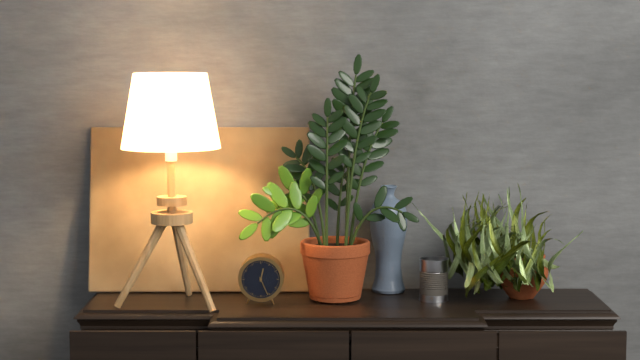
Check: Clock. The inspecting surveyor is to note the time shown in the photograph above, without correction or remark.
12:26
